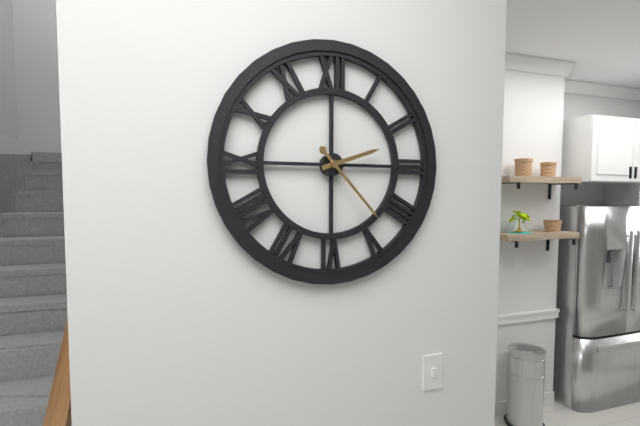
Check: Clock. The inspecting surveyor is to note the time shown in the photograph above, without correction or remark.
2:23
